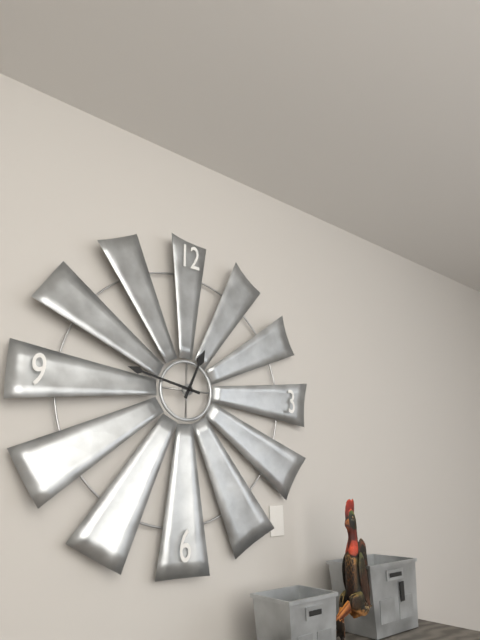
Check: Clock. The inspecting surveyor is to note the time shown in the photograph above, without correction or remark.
12:47
